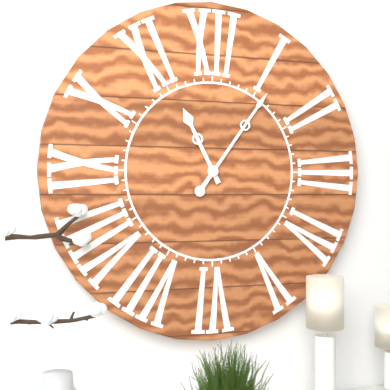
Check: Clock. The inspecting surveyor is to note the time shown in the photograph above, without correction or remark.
11:06
